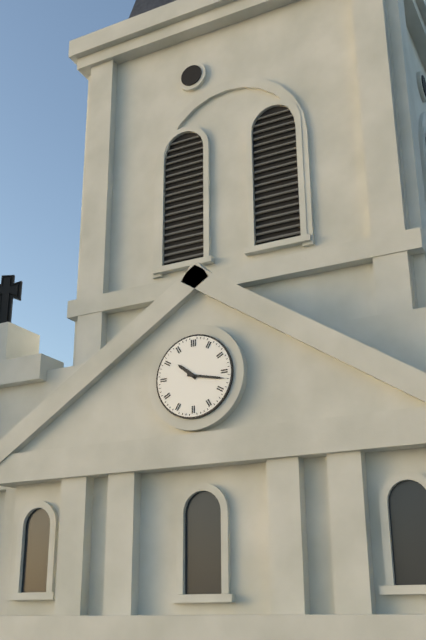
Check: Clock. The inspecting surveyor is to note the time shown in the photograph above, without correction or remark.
10:17
